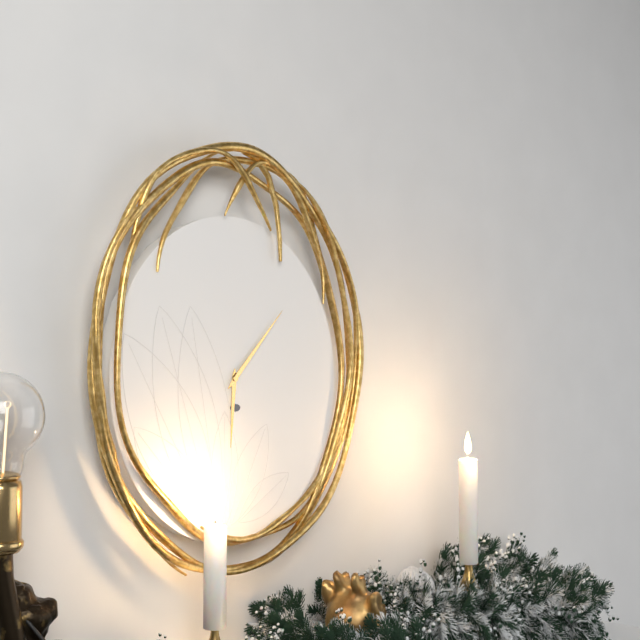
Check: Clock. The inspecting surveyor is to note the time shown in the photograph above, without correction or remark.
6:07
